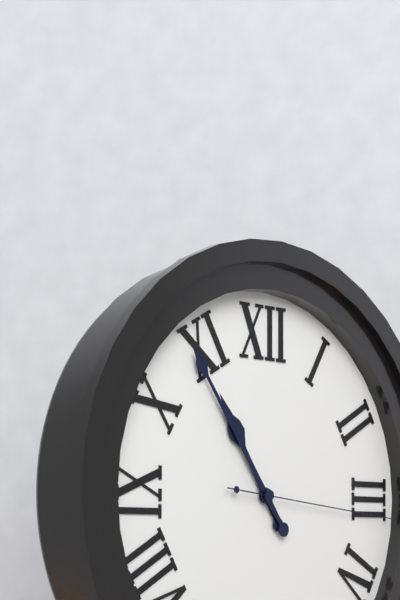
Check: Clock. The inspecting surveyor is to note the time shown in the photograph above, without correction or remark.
10:54:16
